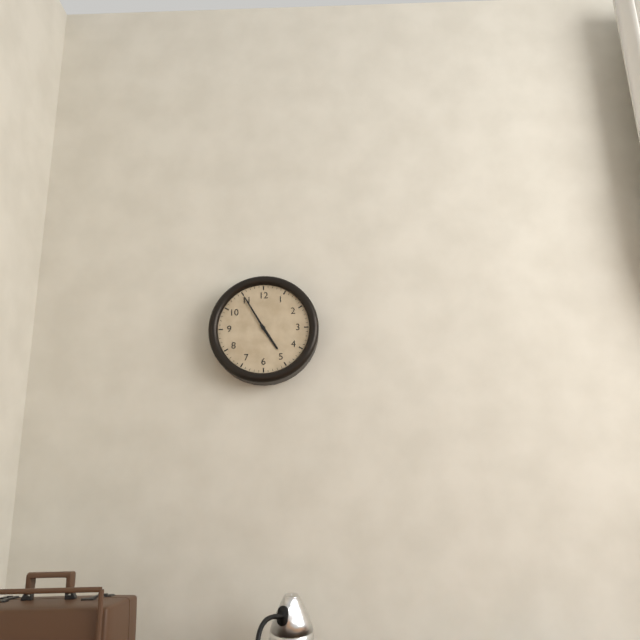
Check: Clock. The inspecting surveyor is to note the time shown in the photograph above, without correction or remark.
4:55
